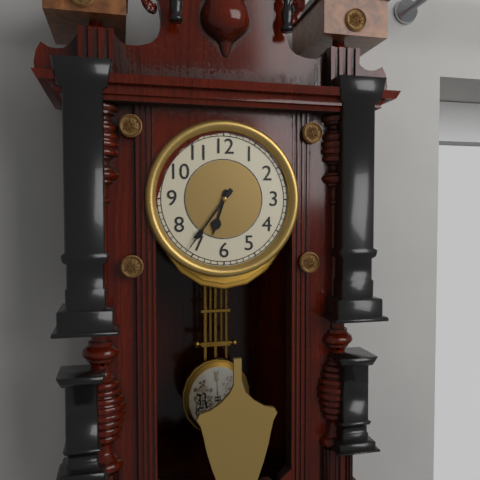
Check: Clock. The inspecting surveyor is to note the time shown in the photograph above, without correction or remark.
6:36
